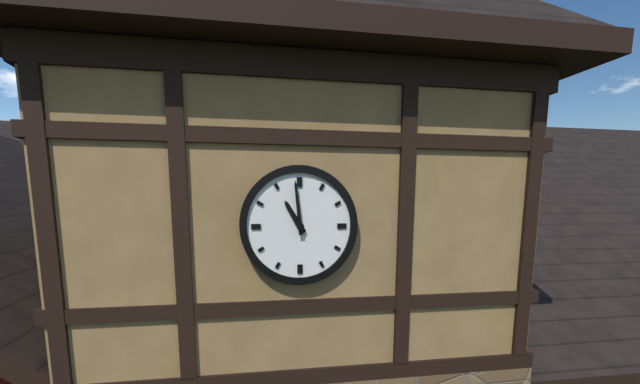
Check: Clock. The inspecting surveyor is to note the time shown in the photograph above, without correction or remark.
10:59
